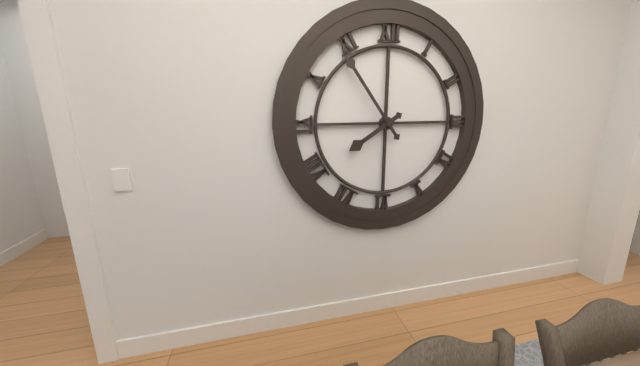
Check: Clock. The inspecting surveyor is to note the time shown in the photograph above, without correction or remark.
7:54
